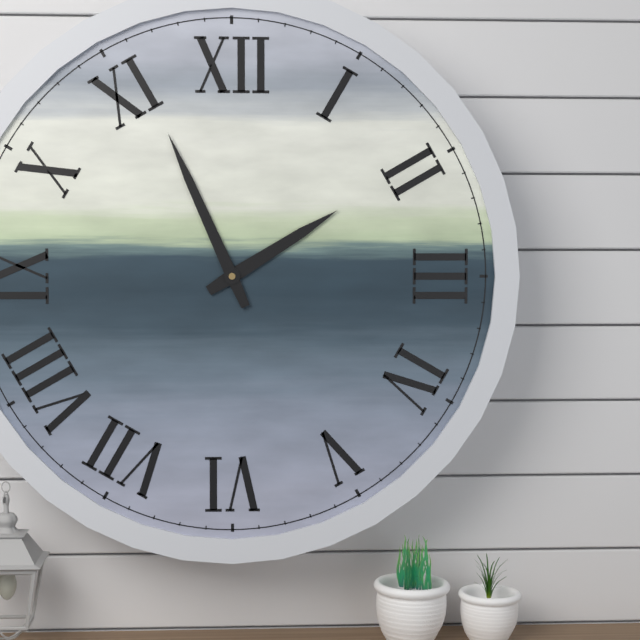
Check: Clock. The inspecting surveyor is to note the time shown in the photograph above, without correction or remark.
1:56
